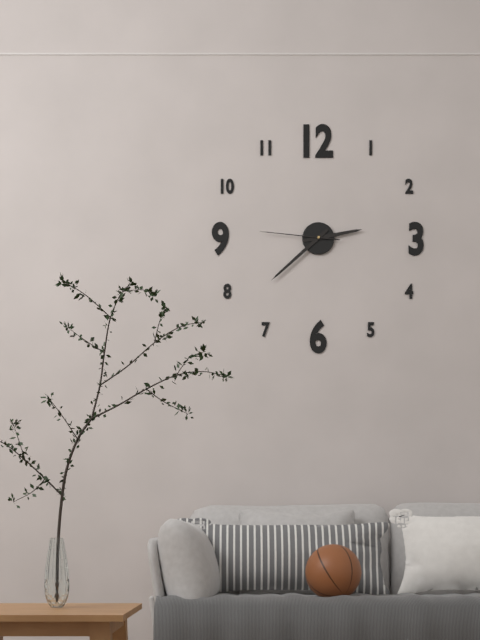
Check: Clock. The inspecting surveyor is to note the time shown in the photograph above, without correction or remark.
2:38:46
